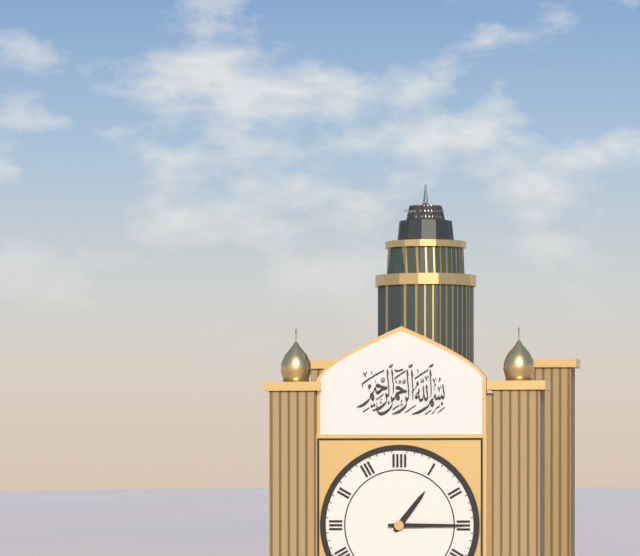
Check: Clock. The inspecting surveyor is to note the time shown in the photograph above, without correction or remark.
1:15
